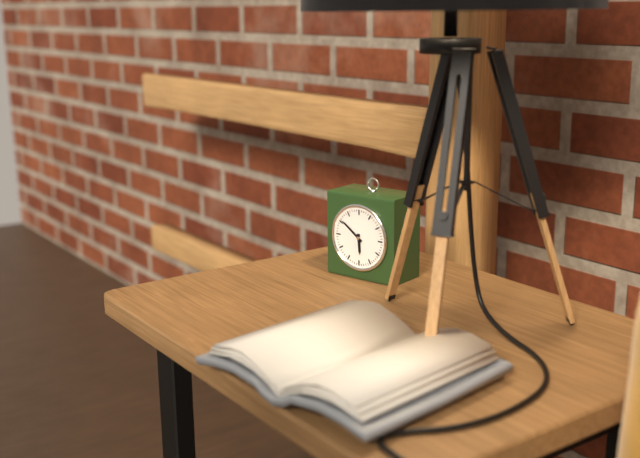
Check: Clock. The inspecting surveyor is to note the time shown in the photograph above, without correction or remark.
5:51
